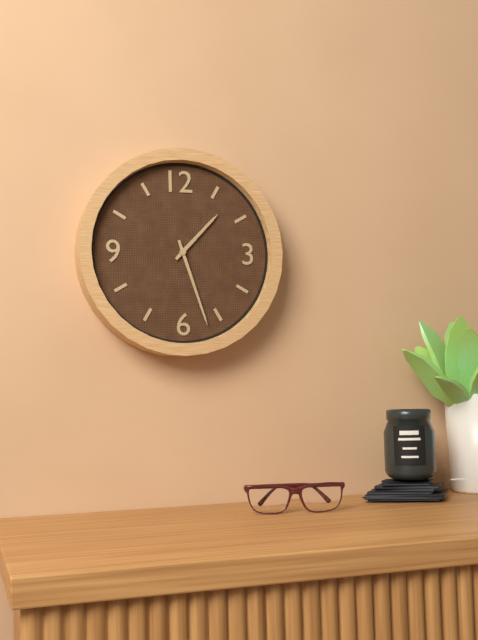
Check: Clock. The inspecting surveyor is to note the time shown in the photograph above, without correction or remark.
1:27
